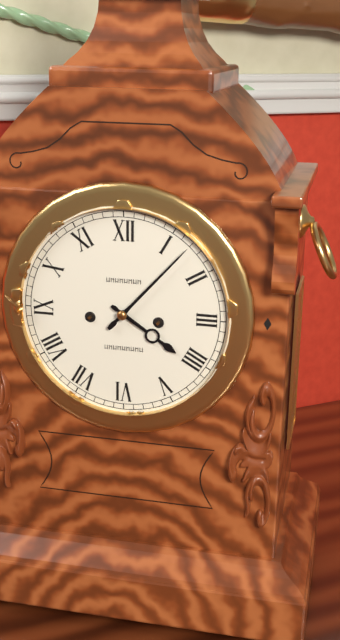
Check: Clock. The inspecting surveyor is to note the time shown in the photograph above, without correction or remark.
4:07
